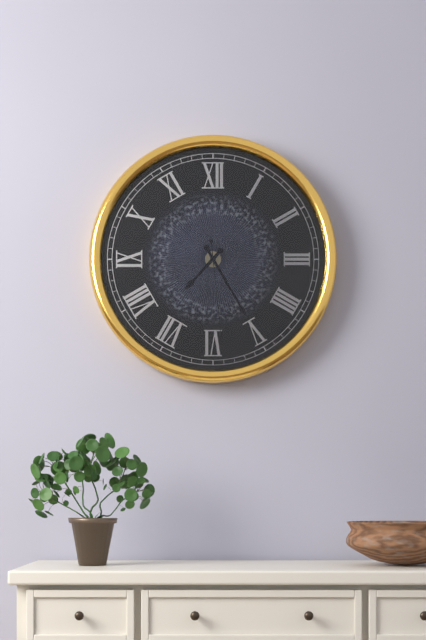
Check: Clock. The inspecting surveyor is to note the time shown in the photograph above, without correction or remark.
7:25:29
